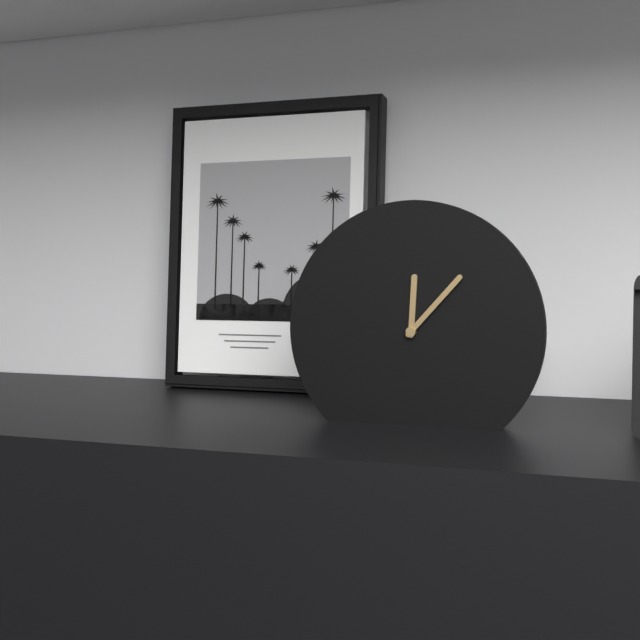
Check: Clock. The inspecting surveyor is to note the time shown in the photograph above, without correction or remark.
12:07
